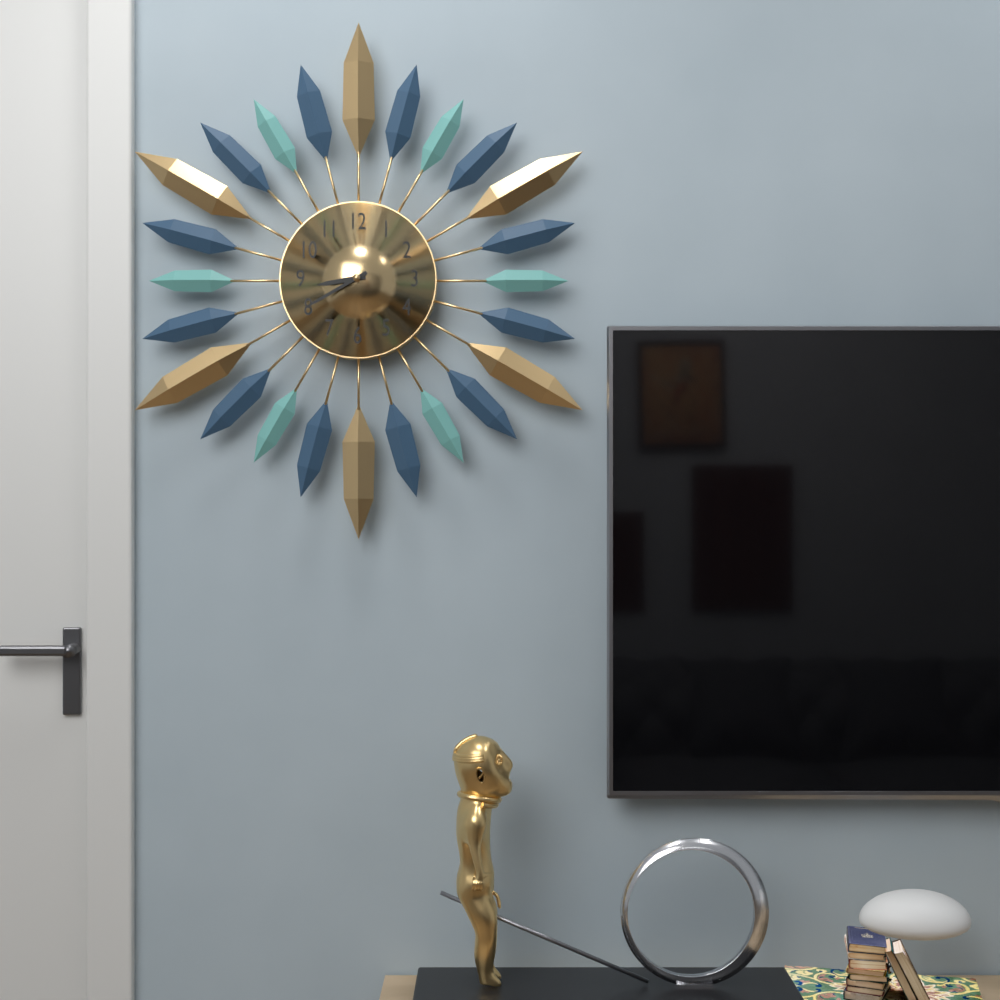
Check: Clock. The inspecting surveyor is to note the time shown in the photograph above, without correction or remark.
8:40
